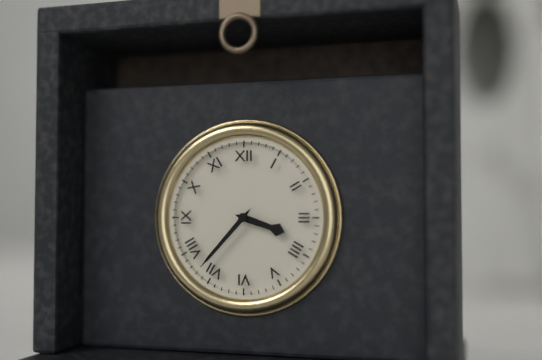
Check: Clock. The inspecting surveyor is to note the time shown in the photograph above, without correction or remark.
3:37
